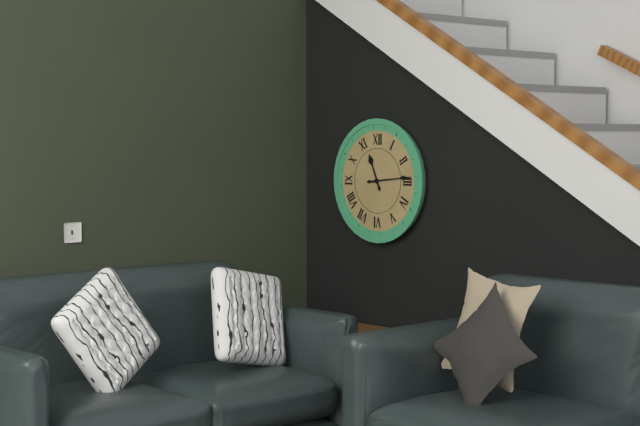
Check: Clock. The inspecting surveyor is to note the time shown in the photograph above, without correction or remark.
11:14
